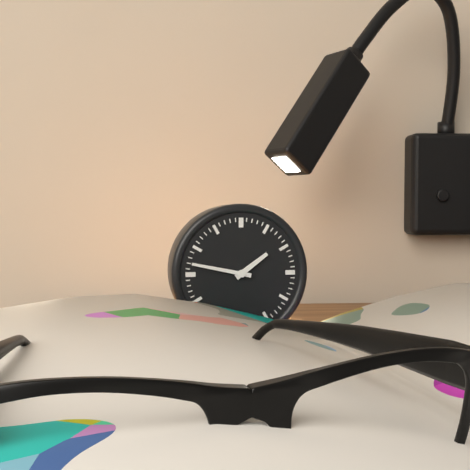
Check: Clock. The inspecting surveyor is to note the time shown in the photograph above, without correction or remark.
1:47
